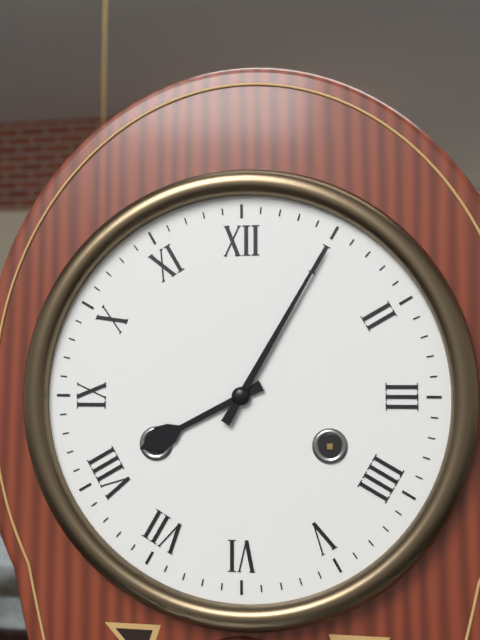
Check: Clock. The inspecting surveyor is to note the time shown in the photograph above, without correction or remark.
8:05
